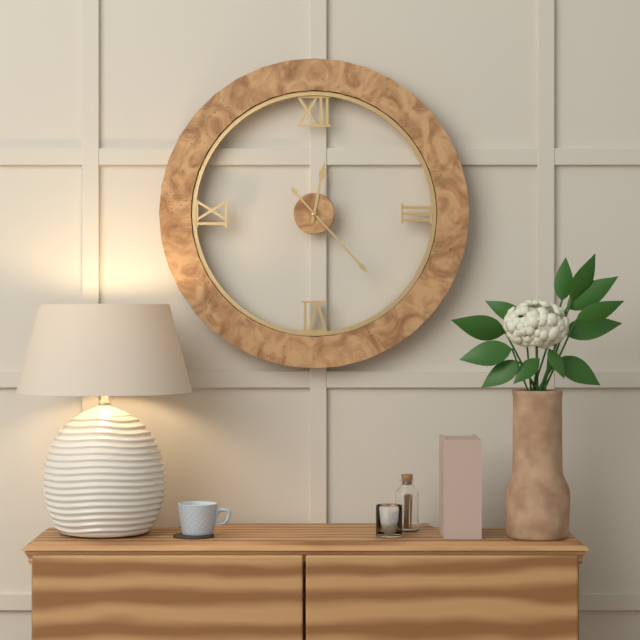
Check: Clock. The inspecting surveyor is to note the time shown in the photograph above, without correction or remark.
12:23
